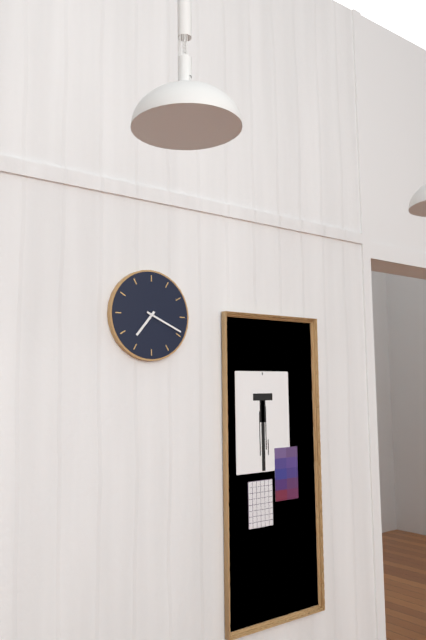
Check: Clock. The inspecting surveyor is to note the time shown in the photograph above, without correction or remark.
7:19
